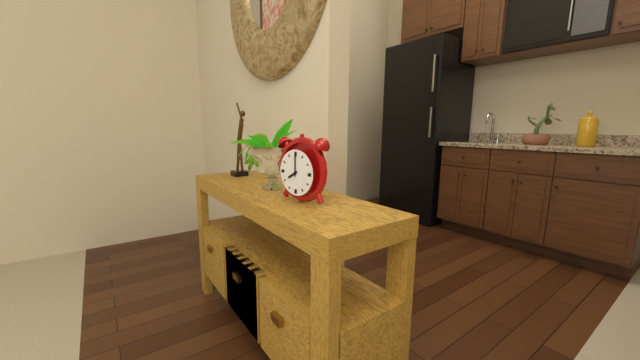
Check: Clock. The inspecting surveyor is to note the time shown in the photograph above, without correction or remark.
8:00
